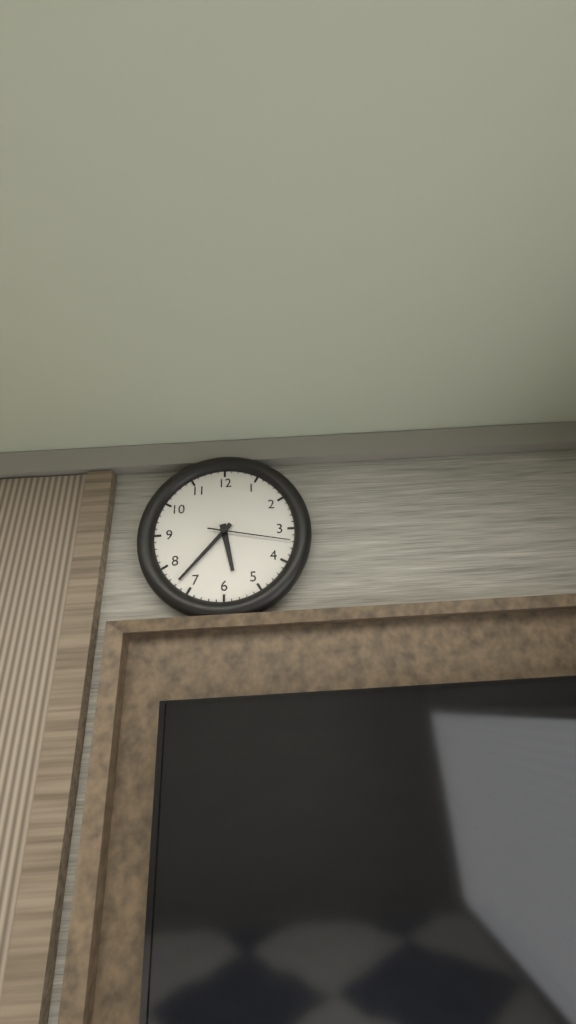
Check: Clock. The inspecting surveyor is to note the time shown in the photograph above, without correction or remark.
5:37:17
